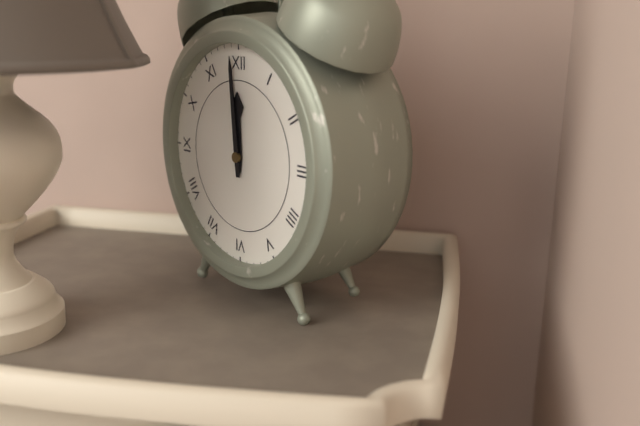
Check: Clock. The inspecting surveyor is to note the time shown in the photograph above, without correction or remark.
11:59
